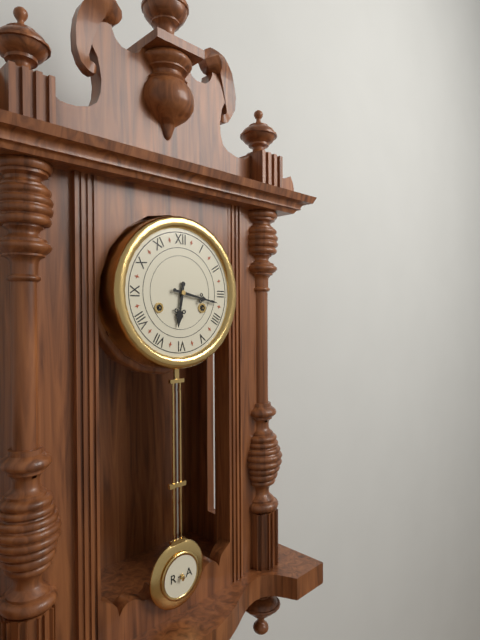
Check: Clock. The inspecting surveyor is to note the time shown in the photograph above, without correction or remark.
6:17
